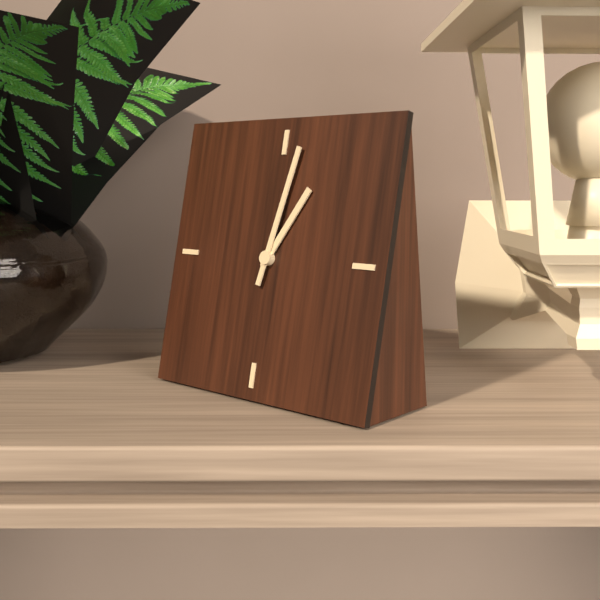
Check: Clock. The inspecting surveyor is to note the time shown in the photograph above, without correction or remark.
1:02
